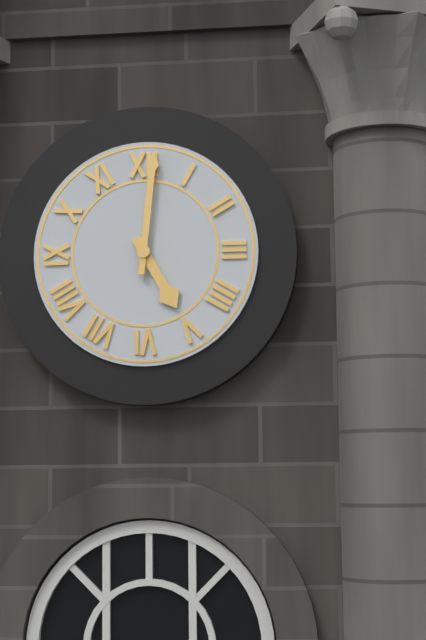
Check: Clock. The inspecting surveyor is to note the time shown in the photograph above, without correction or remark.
5:01
